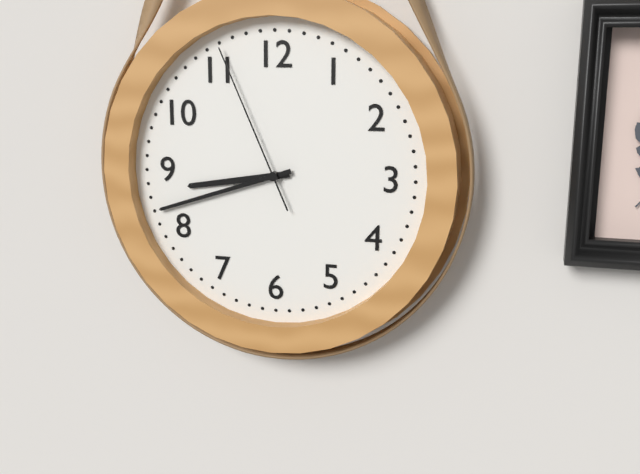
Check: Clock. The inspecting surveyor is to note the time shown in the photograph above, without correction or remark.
8:42:56
